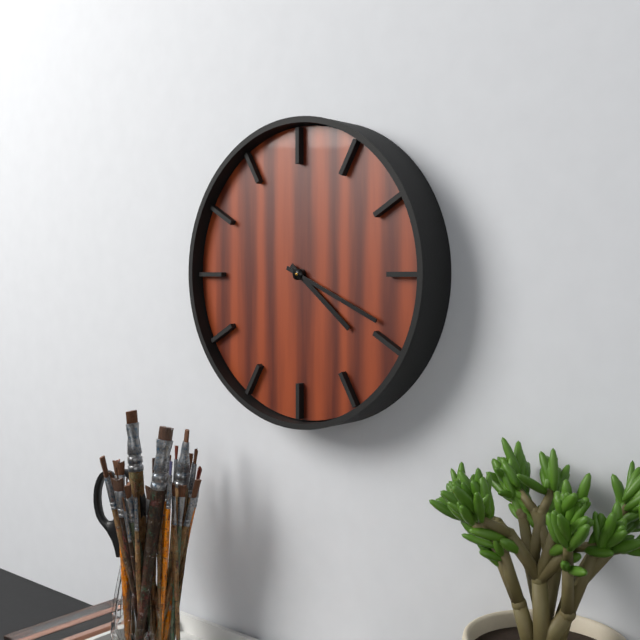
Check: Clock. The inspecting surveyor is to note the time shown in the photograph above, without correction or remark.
4:19
